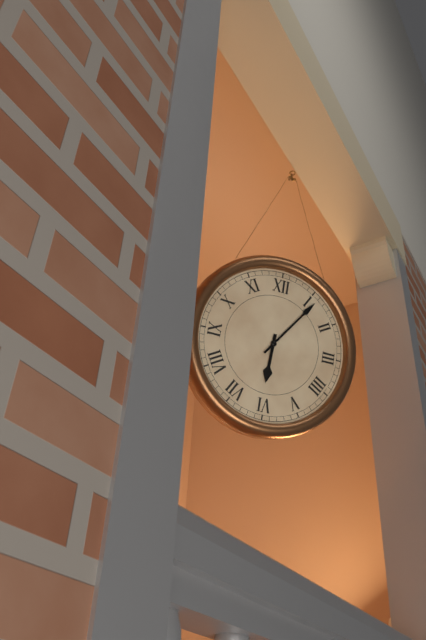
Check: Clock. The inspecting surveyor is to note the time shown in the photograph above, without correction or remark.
6:06
